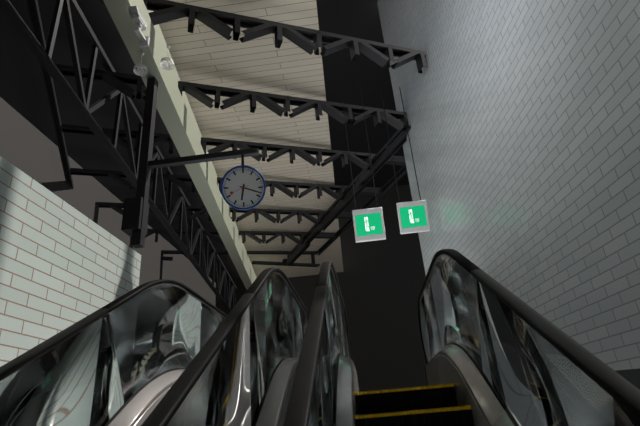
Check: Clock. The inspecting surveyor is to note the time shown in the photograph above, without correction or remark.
6:18
